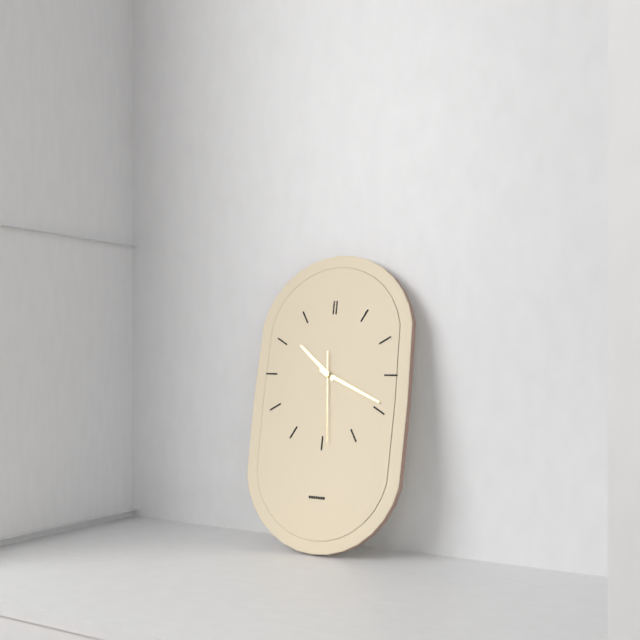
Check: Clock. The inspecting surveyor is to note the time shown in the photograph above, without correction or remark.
10:19:29
